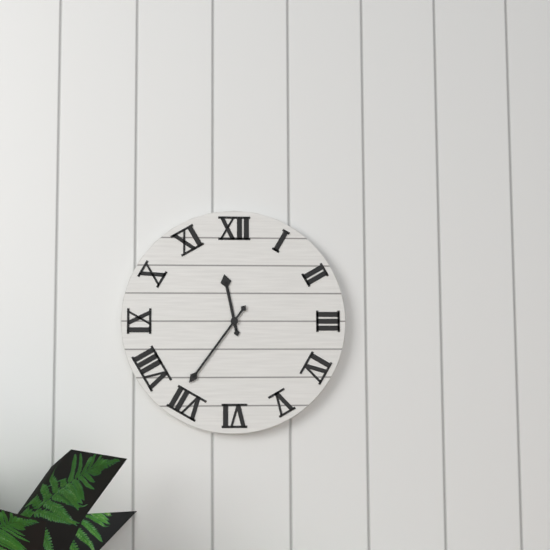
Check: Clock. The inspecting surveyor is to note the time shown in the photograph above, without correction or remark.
11:36
